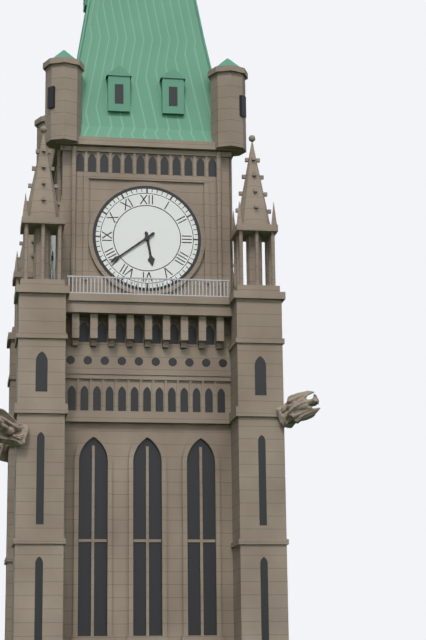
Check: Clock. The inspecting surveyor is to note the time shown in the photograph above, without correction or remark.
5:39
